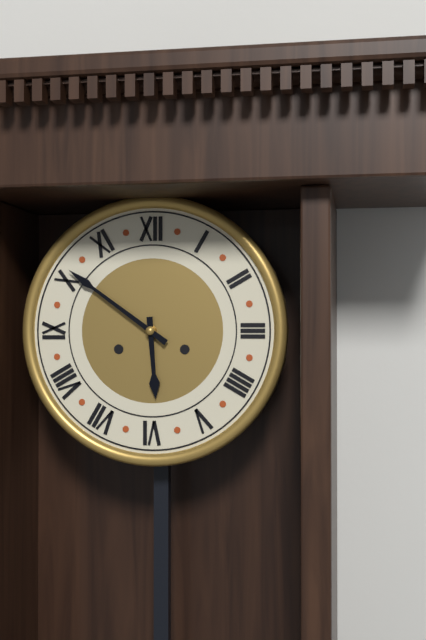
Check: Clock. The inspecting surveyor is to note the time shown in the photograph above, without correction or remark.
5:51
